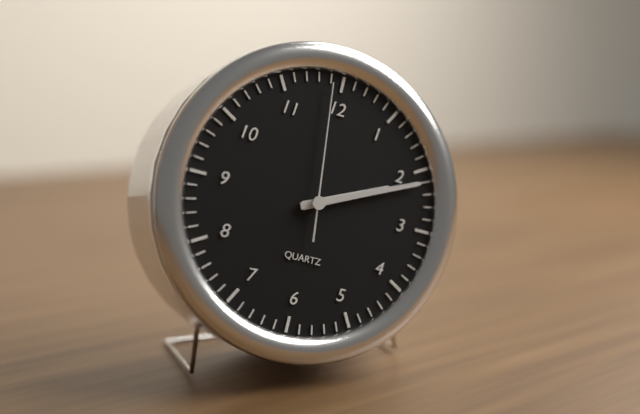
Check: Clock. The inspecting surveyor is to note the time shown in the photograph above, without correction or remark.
2:11:59
